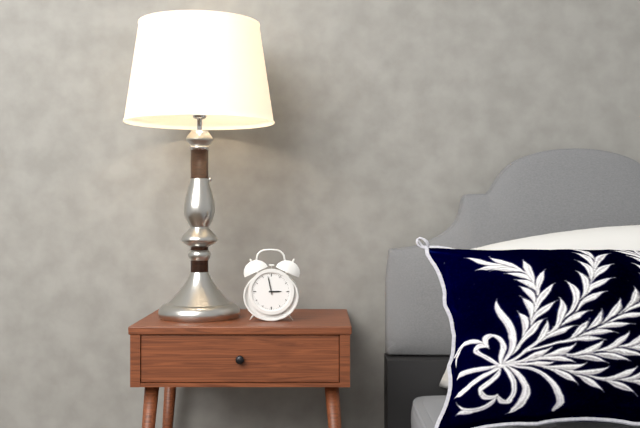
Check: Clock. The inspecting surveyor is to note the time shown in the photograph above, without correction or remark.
2:58
